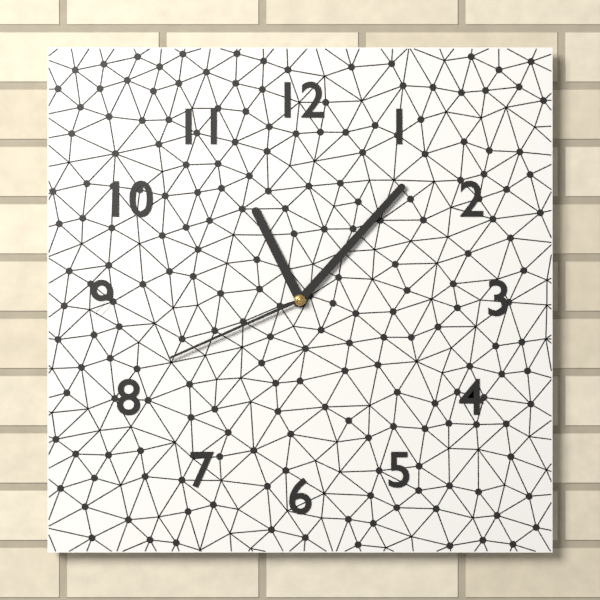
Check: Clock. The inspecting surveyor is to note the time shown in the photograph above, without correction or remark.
11:07:41
